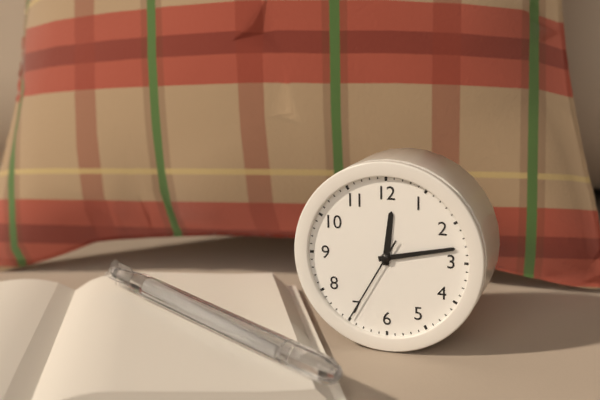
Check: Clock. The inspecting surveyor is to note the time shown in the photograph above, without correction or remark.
12:13:35
